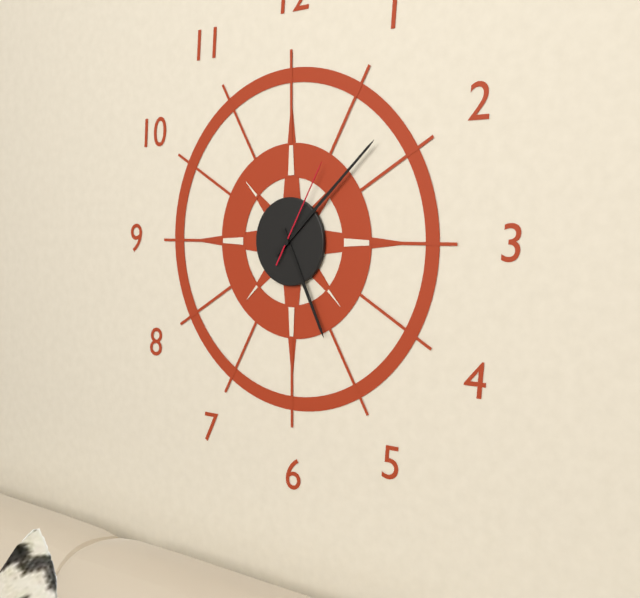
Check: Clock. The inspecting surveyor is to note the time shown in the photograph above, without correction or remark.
5:08:05
